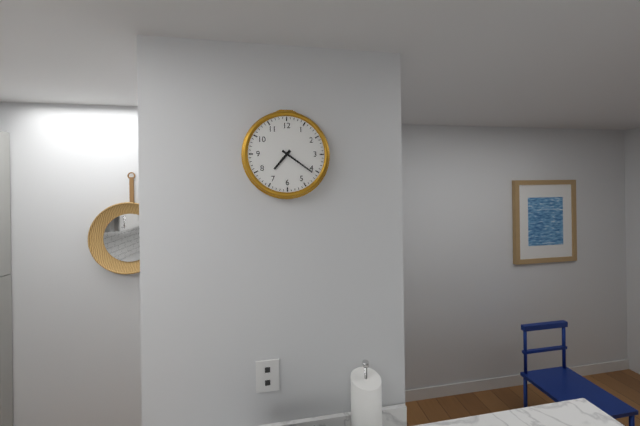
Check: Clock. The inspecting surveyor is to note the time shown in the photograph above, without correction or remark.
7:21
